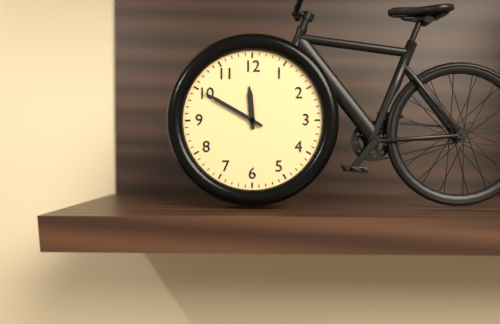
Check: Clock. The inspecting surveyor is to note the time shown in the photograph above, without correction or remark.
11:50
